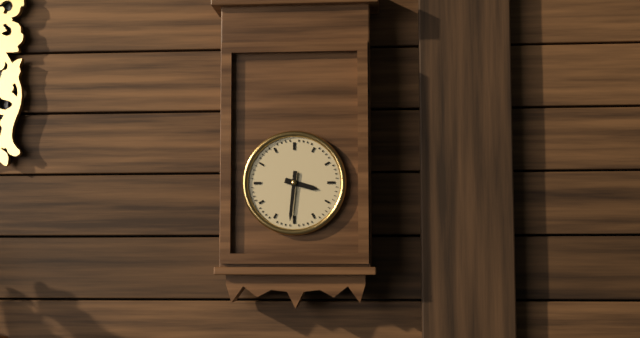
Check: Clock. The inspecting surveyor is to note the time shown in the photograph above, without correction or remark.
3:31
